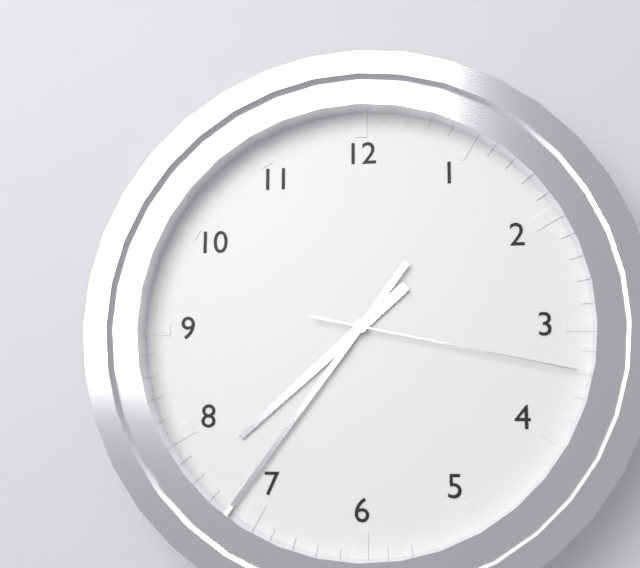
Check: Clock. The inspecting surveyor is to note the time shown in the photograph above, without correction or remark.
7:36:17
